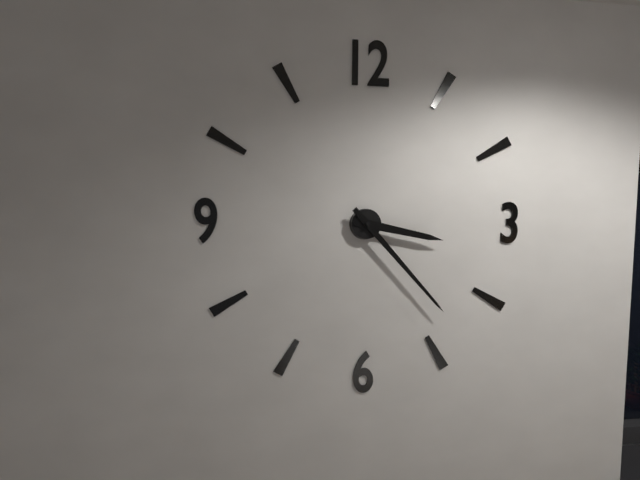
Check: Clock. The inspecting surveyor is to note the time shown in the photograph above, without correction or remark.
3:23
